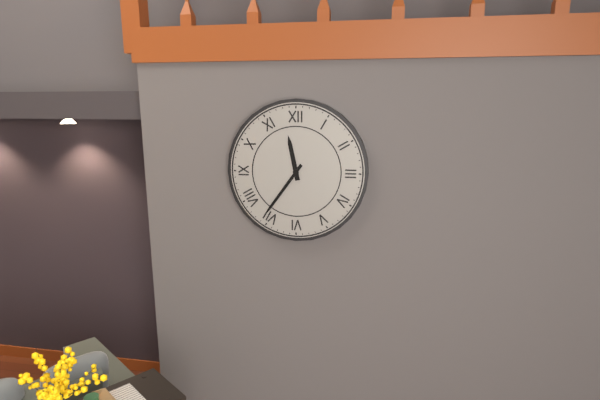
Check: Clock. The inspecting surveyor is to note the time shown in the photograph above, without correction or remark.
11:36
